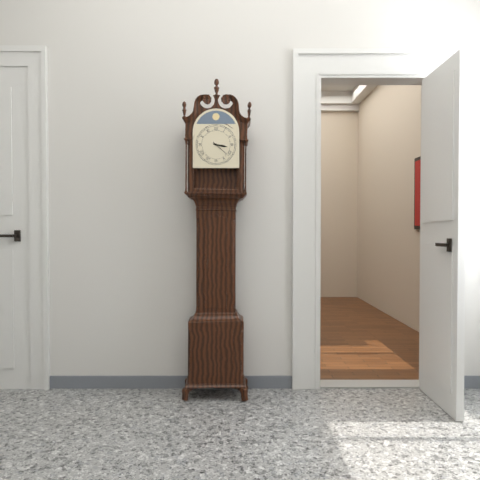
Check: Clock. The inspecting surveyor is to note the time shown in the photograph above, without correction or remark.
3:22
